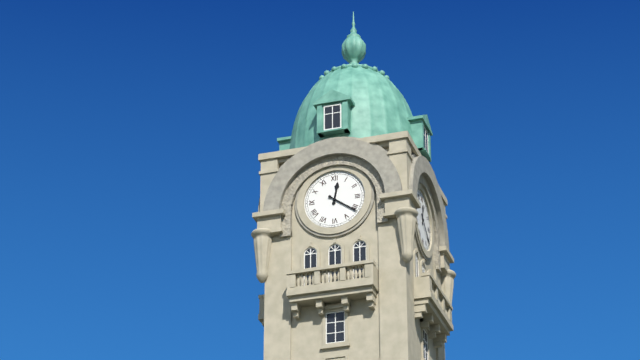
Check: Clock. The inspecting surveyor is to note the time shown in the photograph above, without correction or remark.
12:21
